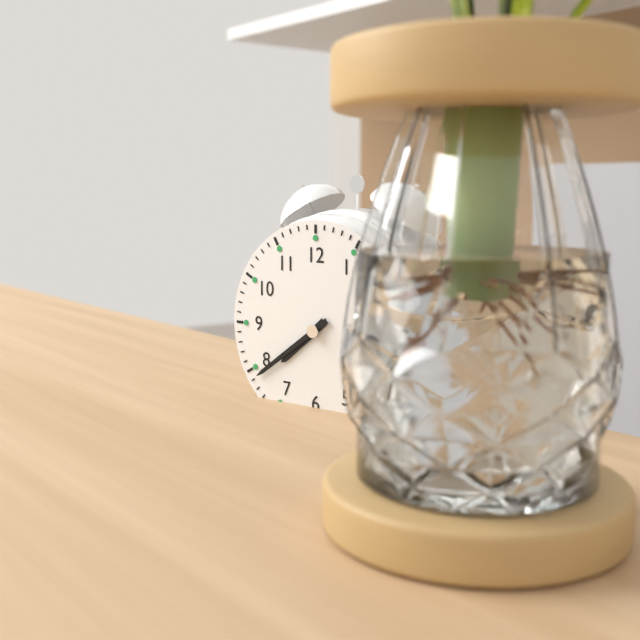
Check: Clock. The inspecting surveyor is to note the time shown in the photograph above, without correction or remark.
7:39
